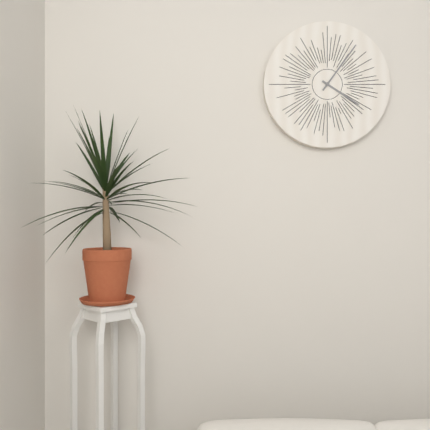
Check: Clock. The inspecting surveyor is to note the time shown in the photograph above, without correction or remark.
4:06
